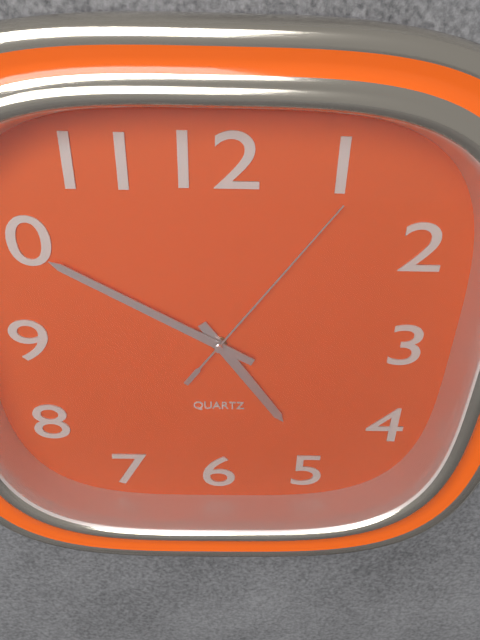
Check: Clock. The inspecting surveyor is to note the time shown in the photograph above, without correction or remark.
4:50:06
